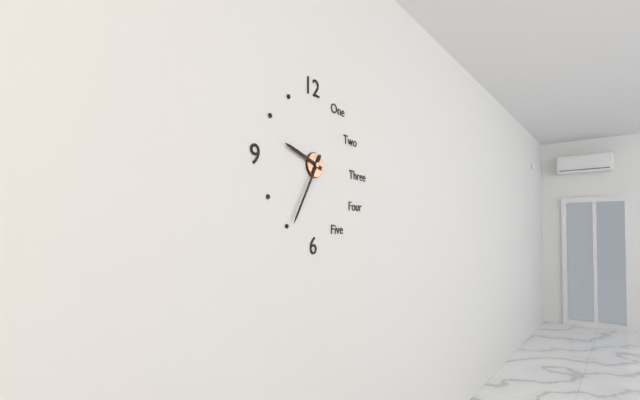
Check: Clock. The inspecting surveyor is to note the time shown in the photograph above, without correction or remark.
9:35
